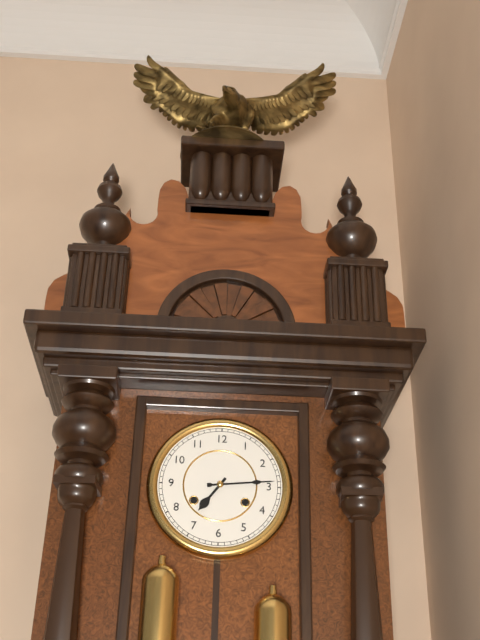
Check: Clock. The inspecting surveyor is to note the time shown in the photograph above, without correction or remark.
7:14
